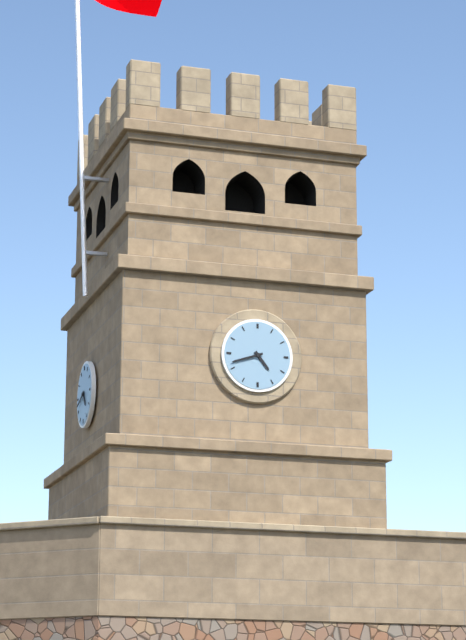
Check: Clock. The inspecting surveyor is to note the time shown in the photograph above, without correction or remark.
4:42
